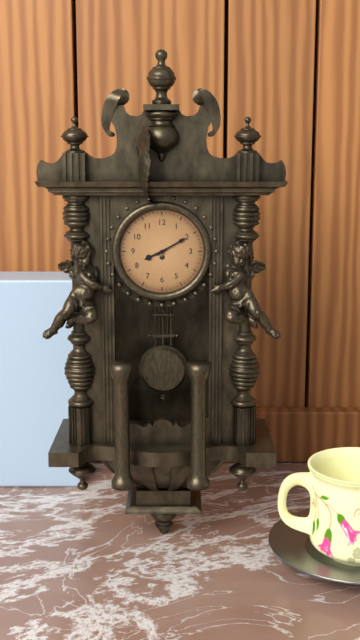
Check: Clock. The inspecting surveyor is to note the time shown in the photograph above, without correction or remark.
8:10
